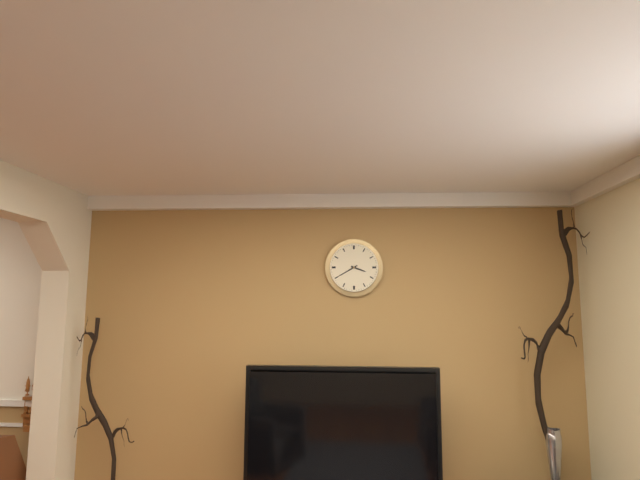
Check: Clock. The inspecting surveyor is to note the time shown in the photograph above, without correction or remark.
3:40
